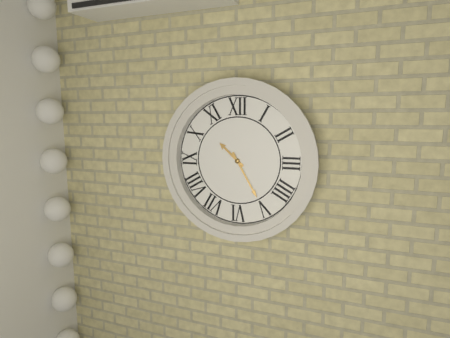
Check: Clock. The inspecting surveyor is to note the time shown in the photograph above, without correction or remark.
10:25
